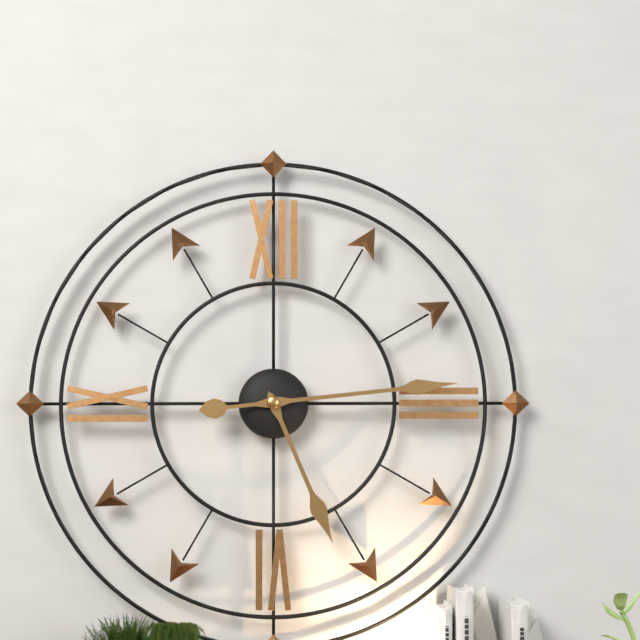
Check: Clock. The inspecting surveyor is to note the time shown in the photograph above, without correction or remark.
5:14
